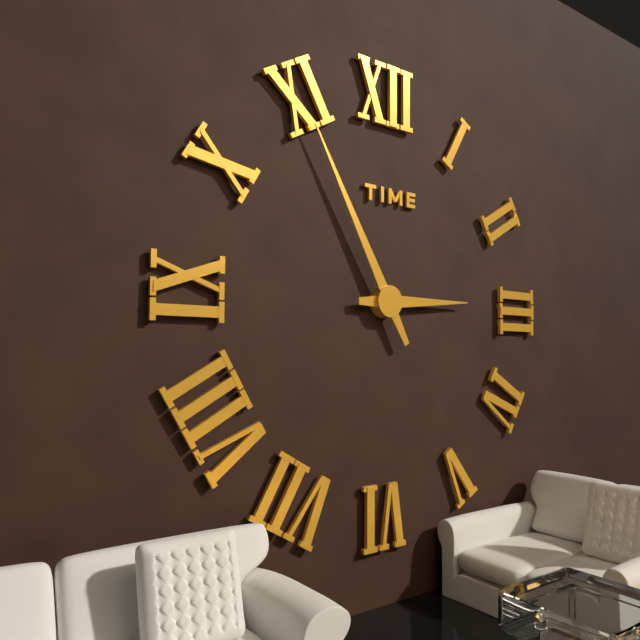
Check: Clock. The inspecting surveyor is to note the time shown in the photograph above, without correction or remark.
2:55
